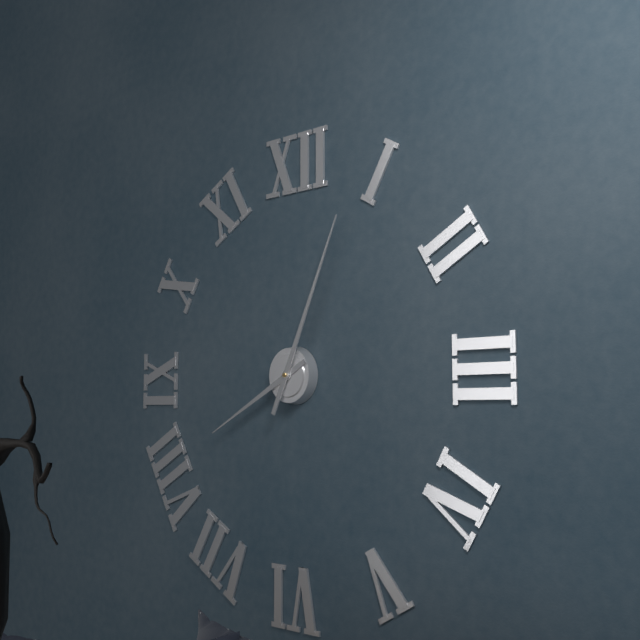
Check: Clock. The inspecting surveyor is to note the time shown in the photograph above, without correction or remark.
8:04
